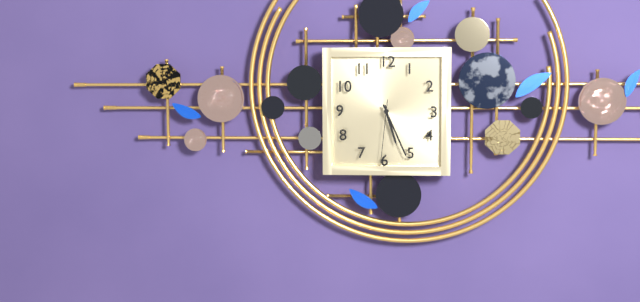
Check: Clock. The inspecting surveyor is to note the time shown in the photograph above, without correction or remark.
5:26:31
